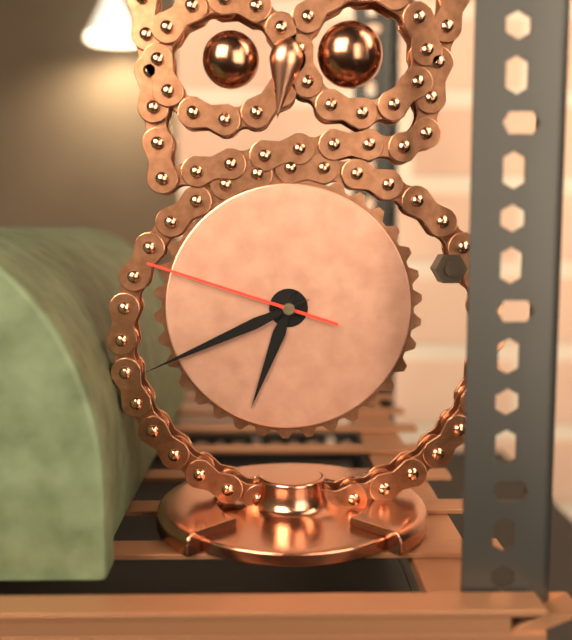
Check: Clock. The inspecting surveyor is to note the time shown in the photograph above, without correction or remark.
6:41:48
